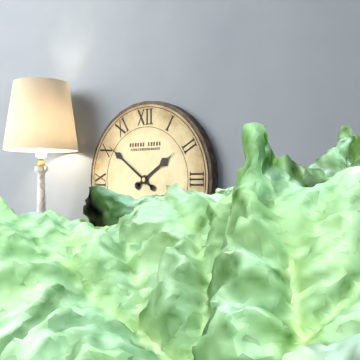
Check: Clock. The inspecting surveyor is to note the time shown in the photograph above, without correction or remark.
1:51
